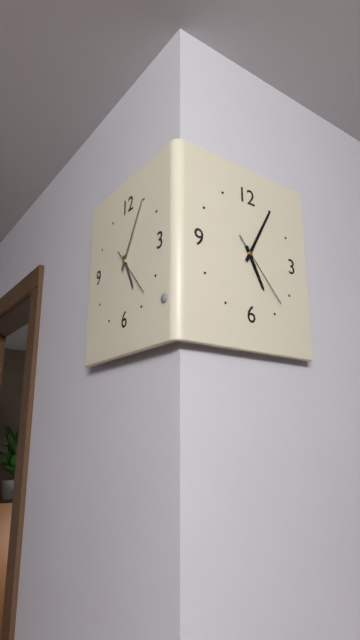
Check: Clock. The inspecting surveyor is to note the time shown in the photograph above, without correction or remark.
5:05:23
